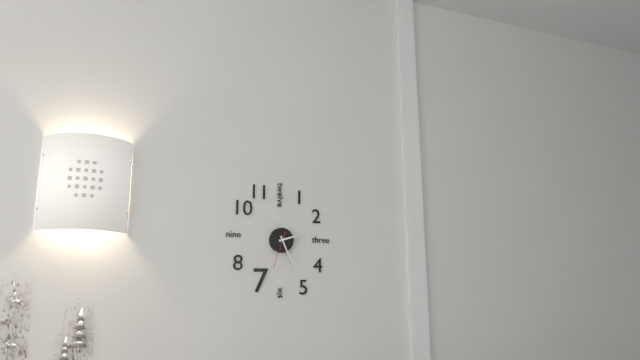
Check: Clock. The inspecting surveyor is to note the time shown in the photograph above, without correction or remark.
2:26
